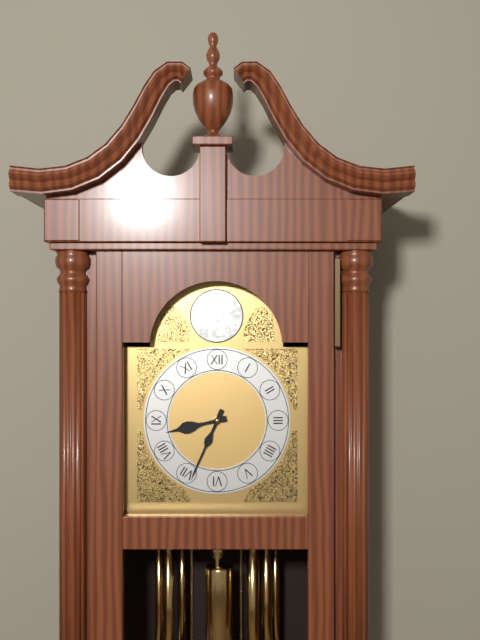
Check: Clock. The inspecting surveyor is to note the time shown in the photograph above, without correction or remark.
8:34
